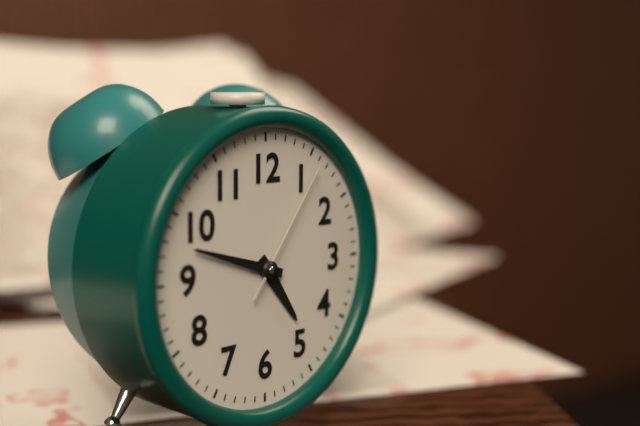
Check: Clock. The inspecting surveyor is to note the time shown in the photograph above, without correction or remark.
4:48:06
